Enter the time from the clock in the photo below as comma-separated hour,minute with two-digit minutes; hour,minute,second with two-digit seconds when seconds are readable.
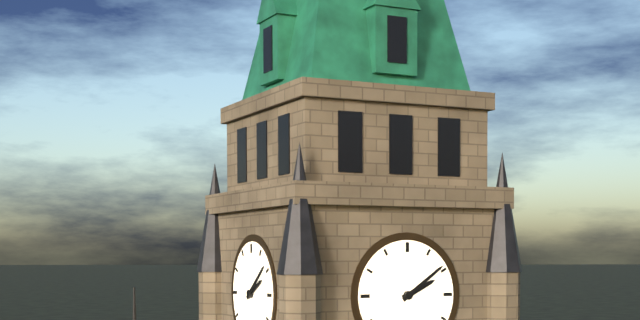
2,09
